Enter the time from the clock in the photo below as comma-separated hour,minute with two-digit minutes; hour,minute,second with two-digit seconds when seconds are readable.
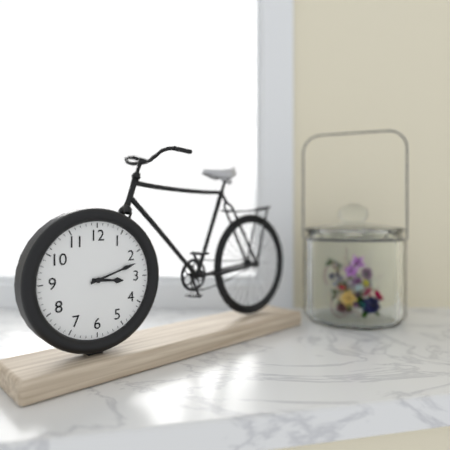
3,12
